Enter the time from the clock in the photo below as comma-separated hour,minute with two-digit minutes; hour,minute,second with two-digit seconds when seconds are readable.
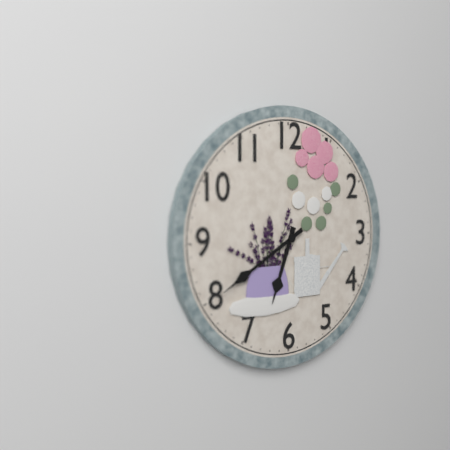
6,40
